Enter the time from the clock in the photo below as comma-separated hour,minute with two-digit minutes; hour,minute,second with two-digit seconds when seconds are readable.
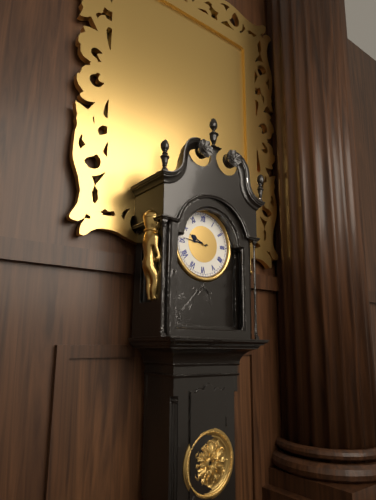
9,46
